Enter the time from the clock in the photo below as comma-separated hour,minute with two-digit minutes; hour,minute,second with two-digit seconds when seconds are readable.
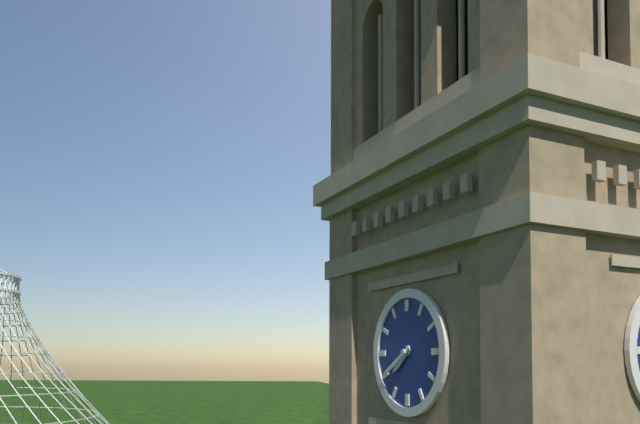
7,40
